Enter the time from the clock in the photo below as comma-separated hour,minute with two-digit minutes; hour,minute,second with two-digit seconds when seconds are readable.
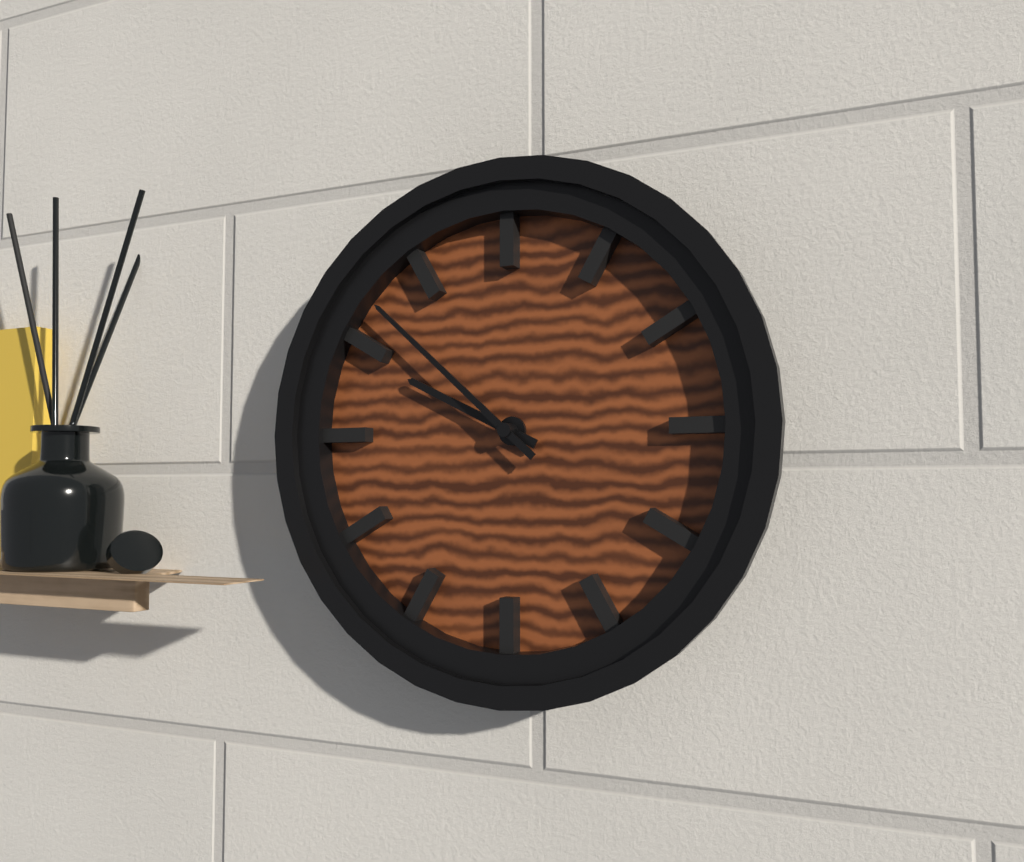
9,52
